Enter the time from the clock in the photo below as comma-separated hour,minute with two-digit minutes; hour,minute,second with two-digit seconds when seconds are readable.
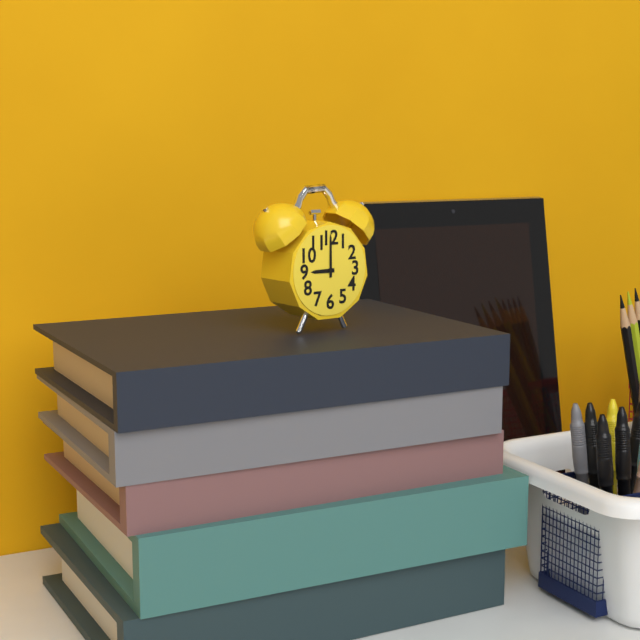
9,00
